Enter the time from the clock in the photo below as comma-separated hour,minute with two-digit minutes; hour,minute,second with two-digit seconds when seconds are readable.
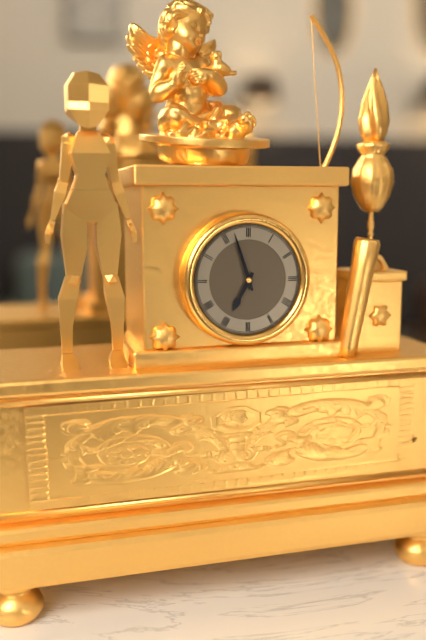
6,57
